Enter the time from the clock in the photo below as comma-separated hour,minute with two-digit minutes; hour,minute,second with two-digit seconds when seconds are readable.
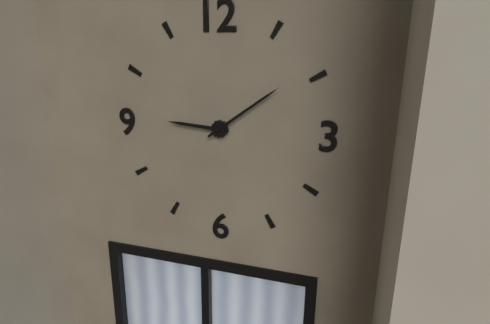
9,09
